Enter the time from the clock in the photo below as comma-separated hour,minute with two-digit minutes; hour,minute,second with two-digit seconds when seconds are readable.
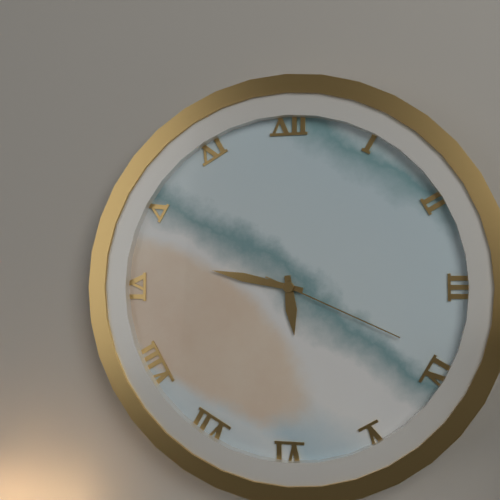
5,47,19
